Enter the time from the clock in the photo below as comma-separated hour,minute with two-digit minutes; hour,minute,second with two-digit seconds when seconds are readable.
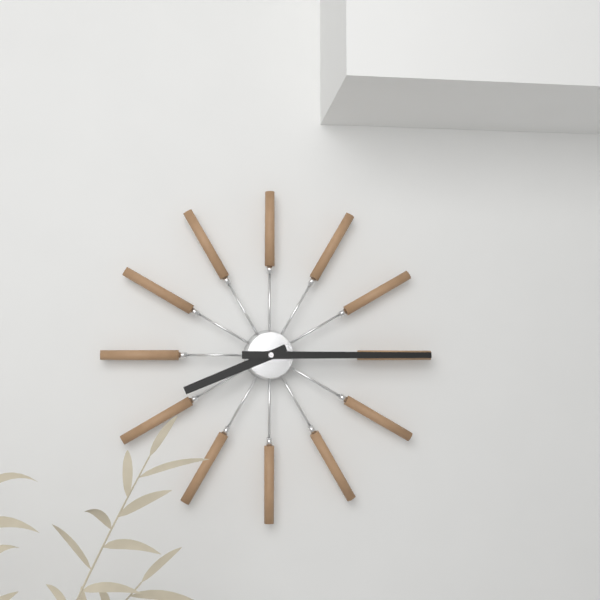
8,15
